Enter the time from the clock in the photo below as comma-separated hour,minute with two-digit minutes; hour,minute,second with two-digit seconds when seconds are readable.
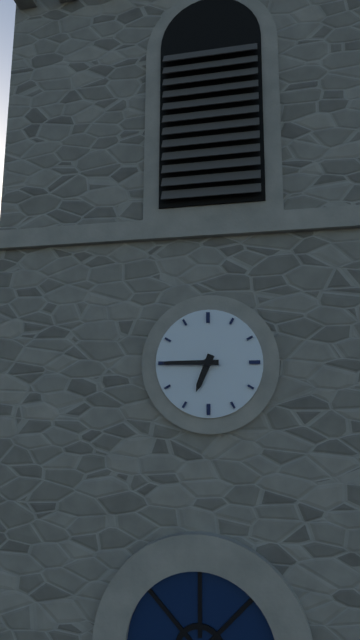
6,45
